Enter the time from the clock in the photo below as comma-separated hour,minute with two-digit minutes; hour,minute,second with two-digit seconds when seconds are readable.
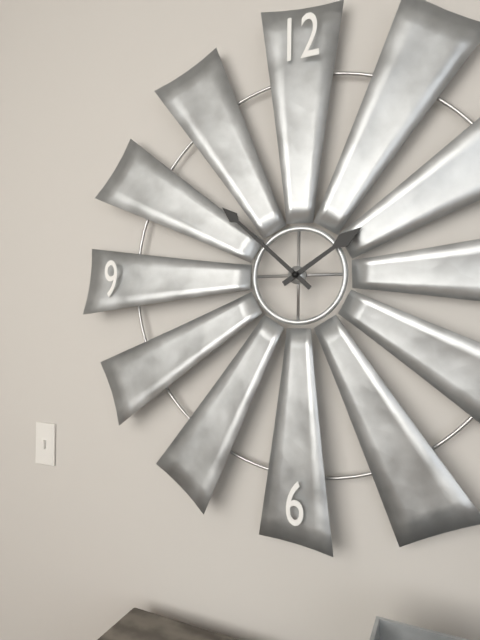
1,52
